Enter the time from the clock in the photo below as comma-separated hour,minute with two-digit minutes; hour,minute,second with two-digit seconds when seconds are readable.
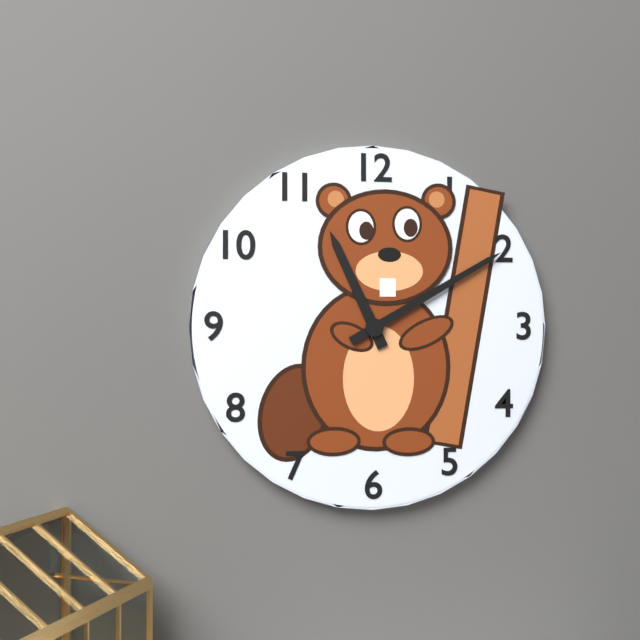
11,10
